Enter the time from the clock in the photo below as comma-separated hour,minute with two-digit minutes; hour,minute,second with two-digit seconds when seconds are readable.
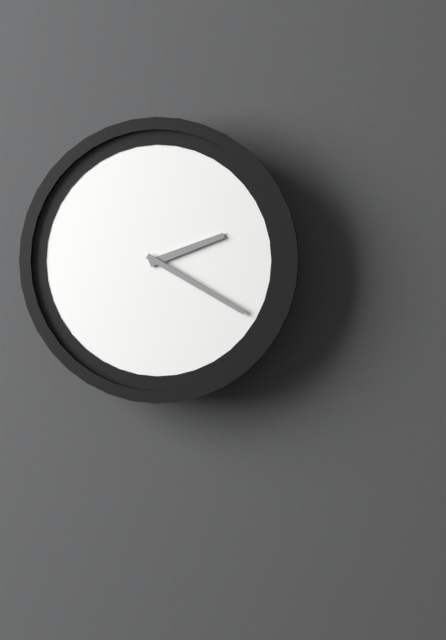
2,20
